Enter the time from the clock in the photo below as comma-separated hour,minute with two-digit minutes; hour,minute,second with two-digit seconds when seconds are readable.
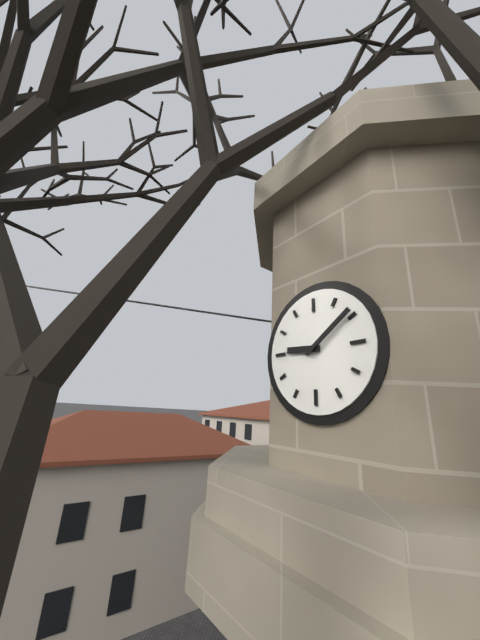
9,09
